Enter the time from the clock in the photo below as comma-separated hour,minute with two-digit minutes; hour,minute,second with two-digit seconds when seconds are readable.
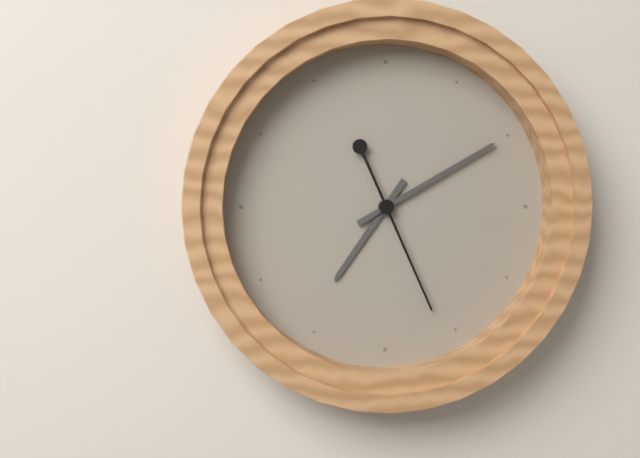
7,10,26
